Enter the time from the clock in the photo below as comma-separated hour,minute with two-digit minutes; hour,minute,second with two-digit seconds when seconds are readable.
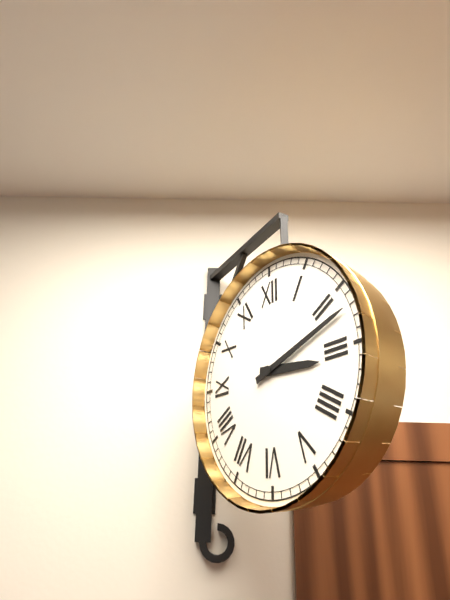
3,12
